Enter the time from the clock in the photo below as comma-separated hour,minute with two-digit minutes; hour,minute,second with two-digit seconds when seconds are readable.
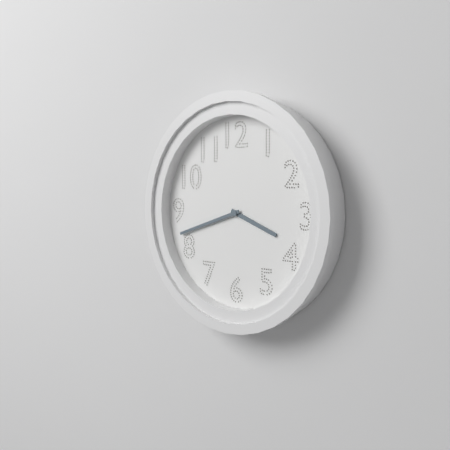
3,42
